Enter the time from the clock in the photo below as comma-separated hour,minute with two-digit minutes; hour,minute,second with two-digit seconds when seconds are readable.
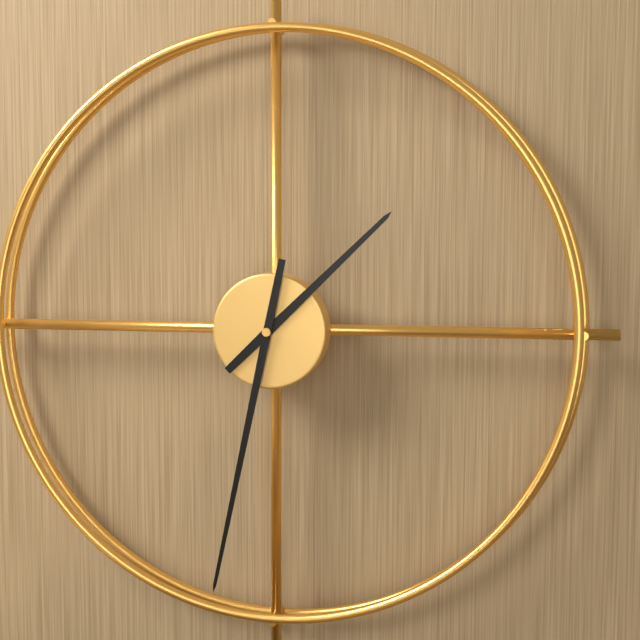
1,32
